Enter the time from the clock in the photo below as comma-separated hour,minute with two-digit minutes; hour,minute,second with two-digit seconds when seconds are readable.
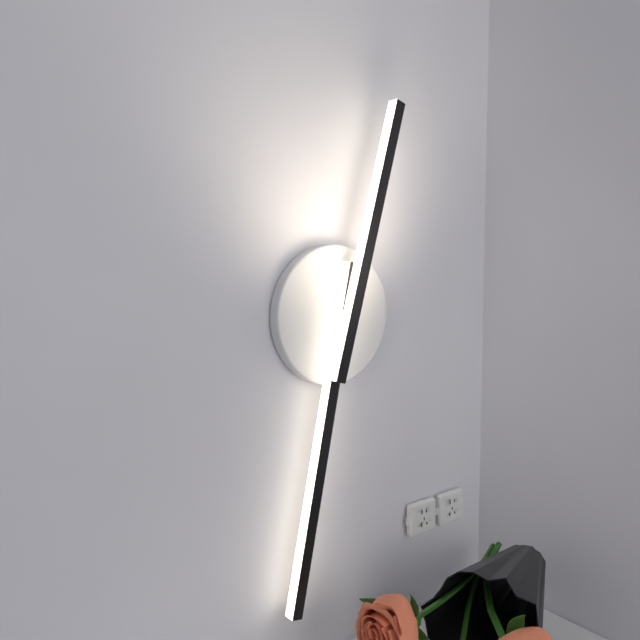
12,32
